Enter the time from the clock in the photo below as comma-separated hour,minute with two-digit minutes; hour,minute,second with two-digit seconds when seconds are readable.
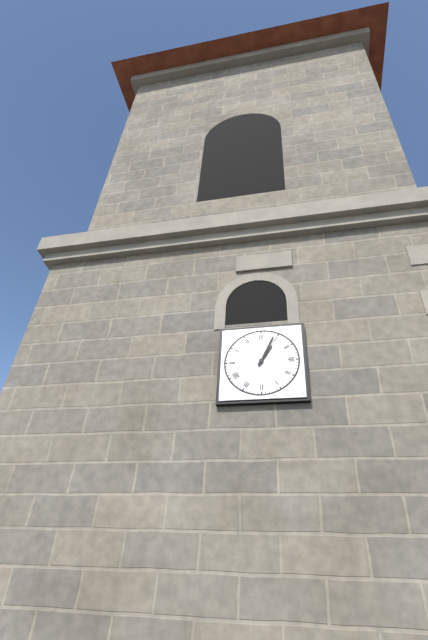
1,04
